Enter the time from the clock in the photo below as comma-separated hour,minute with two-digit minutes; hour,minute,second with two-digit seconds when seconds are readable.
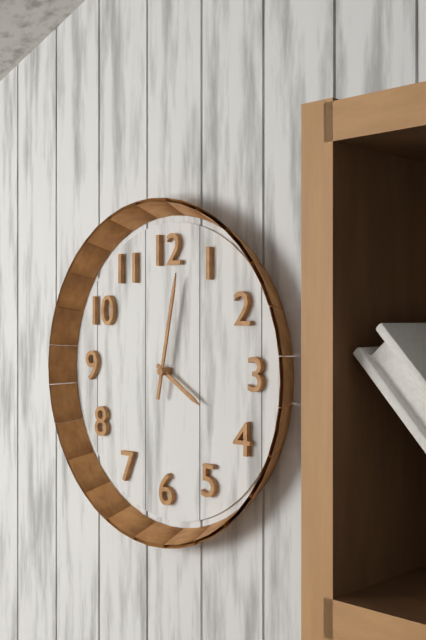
4,02
